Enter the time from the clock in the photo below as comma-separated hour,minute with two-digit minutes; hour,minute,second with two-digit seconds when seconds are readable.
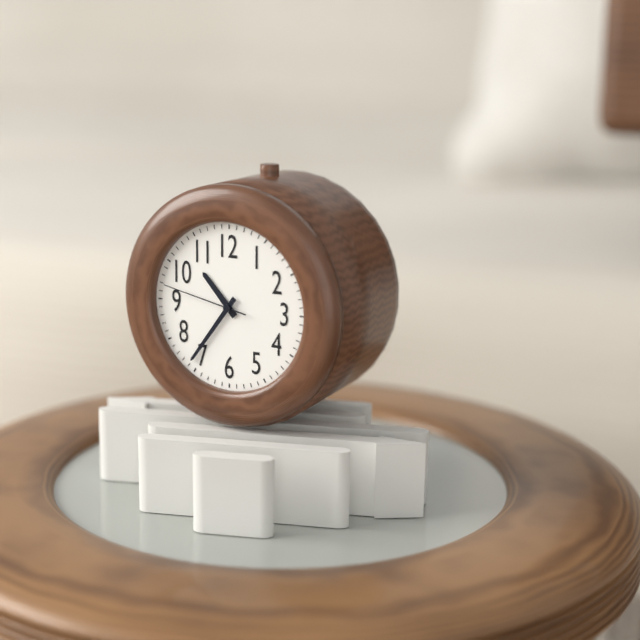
10,36,47
